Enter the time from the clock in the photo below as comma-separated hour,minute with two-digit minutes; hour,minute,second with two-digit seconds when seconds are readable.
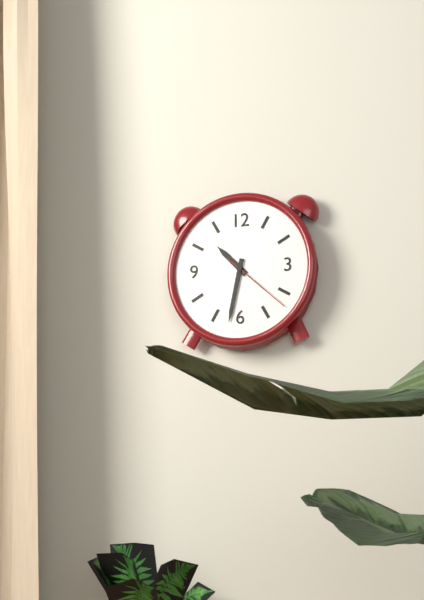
10,32,22
